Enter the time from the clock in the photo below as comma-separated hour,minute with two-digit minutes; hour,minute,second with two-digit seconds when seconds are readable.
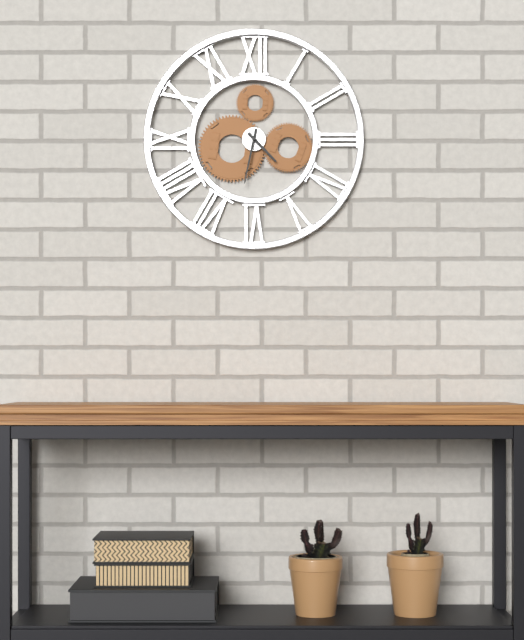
4,32
